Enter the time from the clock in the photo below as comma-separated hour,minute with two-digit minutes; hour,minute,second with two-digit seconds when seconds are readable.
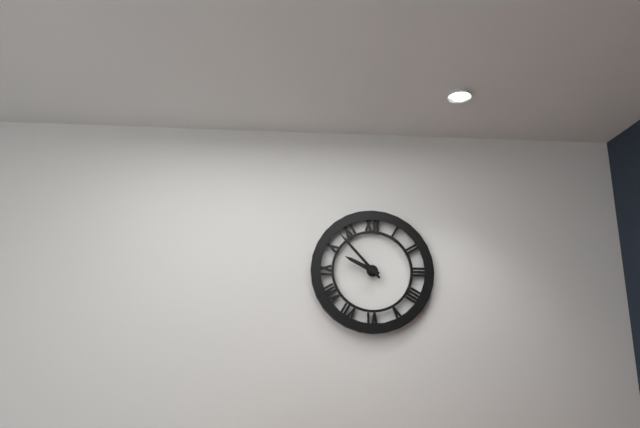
9,53
